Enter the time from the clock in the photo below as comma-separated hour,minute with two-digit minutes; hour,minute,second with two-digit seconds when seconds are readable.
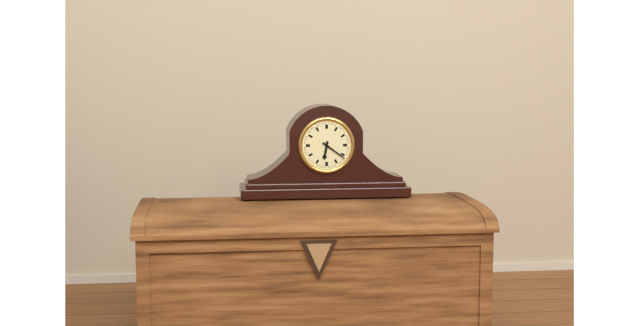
6,21
